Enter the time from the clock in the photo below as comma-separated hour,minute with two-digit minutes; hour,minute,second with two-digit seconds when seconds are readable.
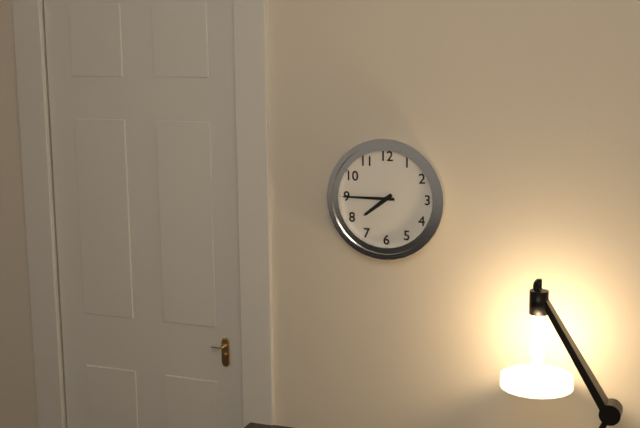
7,45
